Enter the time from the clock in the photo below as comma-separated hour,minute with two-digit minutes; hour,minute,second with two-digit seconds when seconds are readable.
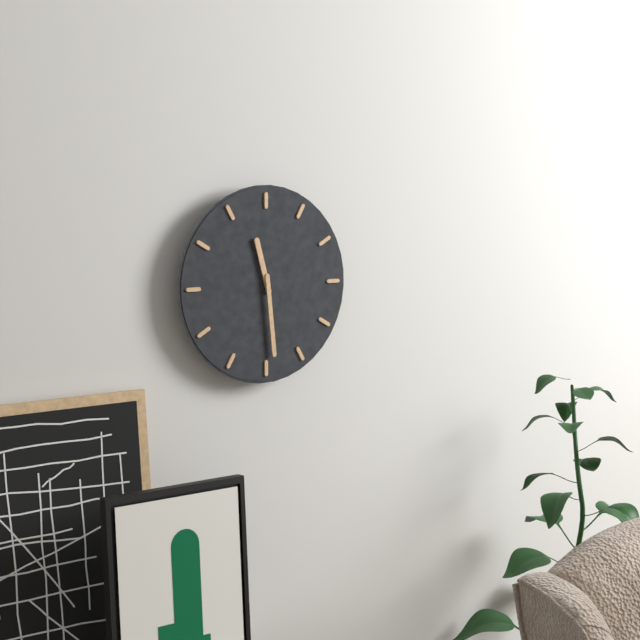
11,29
